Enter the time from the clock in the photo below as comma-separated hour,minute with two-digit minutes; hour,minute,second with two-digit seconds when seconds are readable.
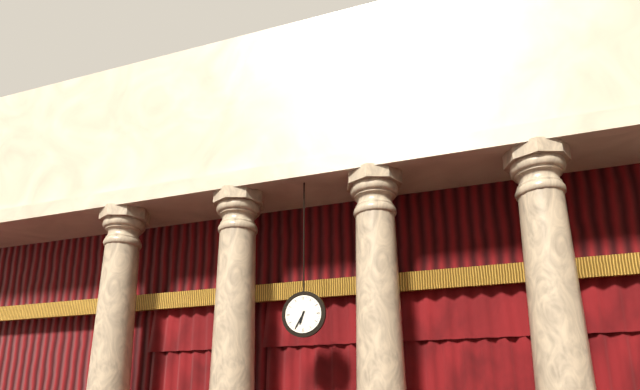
6,35
